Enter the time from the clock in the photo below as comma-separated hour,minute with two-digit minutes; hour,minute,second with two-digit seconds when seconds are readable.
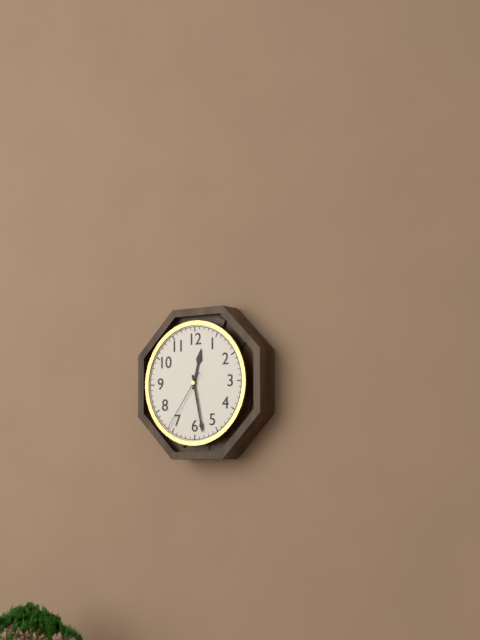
12,28,36
